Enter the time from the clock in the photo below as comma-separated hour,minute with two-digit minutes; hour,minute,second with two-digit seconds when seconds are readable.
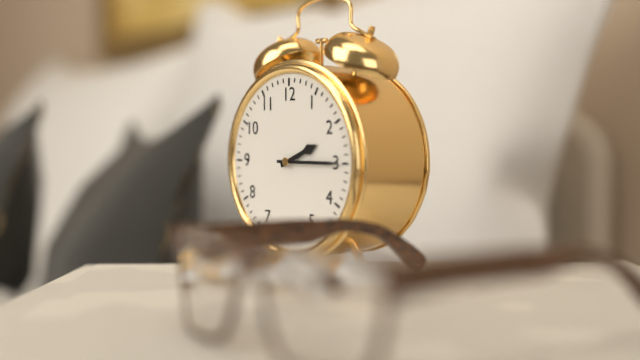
2,15
